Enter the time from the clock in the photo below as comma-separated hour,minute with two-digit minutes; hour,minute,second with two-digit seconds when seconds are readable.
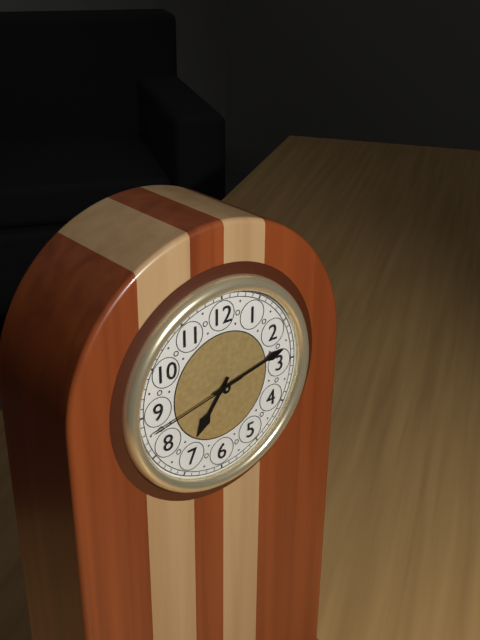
7,13,43
